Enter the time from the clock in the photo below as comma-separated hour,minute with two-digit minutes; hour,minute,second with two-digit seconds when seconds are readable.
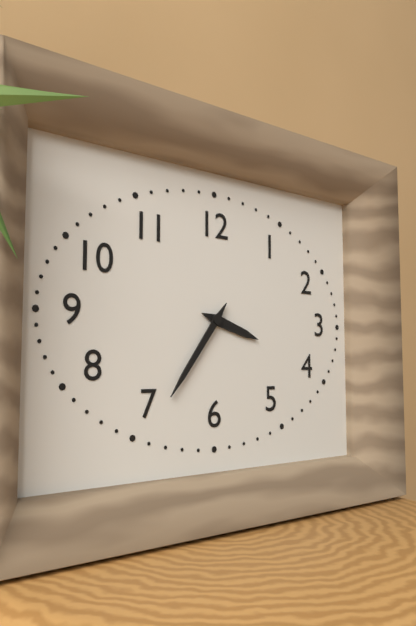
3,36
